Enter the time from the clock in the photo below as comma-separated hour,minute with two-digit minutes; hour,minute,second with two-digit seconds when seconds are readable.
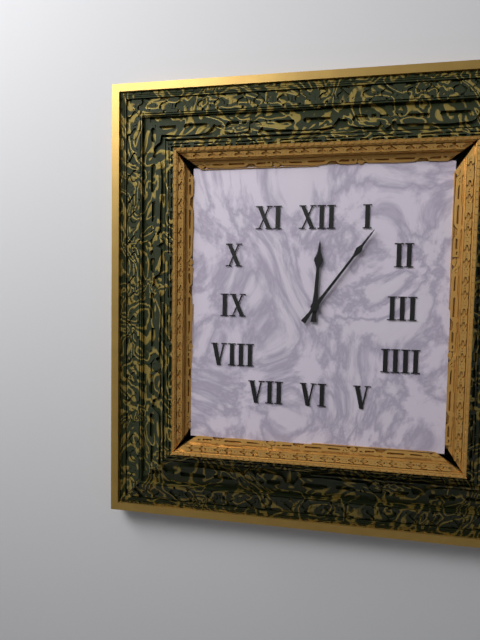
12,06
